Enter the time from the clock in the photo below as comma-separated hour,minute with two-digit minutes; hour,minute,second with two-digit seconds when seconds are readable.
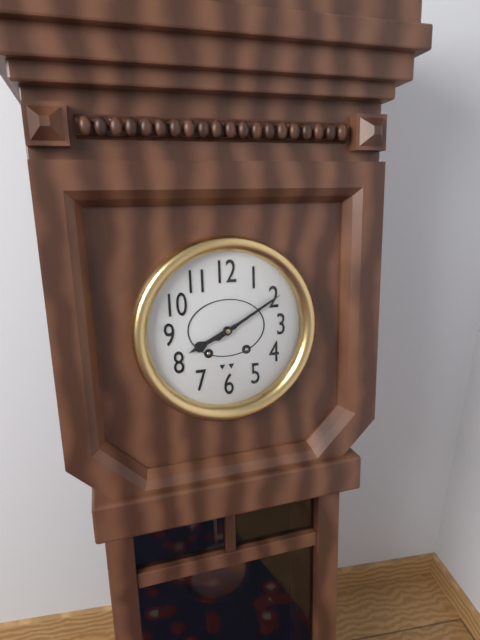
8,10
